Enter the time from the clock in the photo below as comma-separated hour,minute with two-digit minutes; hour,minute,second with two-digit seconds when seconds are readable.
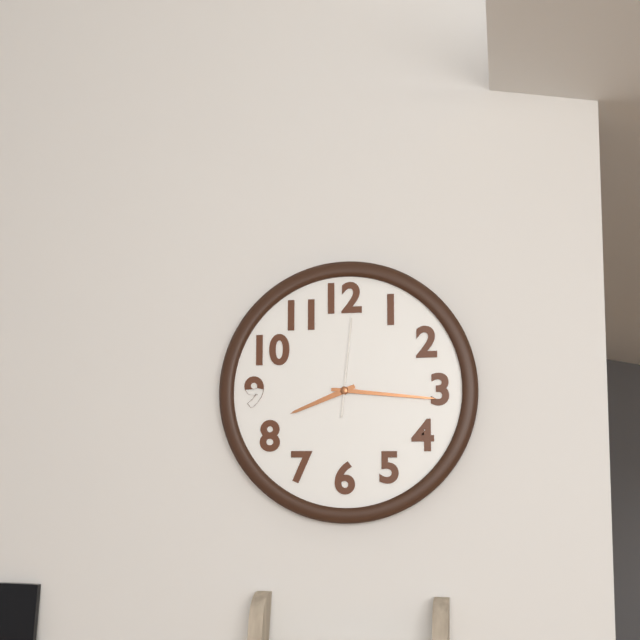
8,16,01
